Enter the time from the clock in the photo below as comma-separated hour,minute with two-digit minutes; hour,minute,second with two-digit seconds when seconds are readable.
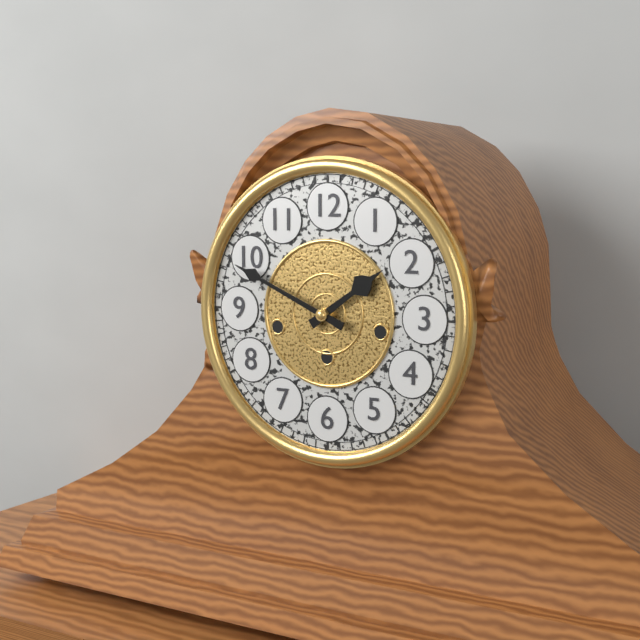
1,49
